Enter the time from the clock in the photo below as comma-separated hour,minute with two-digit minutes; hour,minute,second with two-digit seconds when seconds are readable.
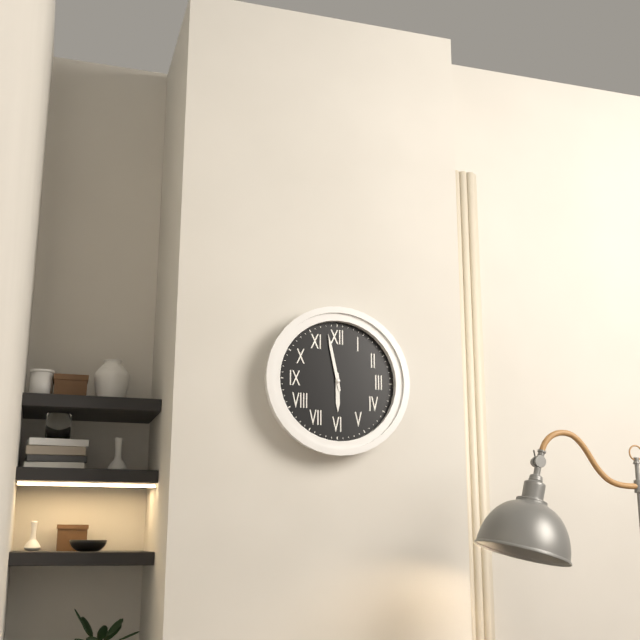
5,58
